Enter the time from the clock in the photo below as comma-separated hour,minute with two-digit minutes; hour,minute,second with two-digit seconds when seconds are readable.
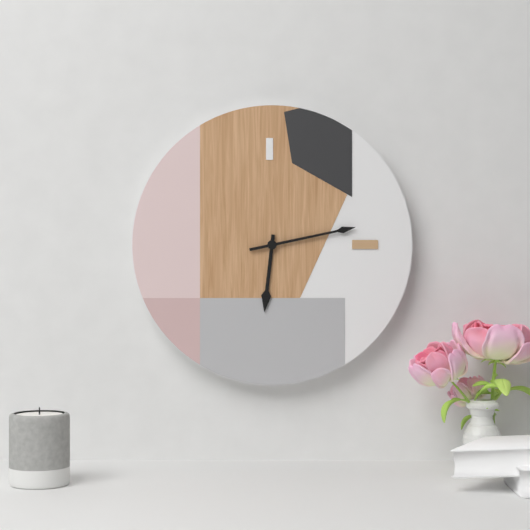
6,13
